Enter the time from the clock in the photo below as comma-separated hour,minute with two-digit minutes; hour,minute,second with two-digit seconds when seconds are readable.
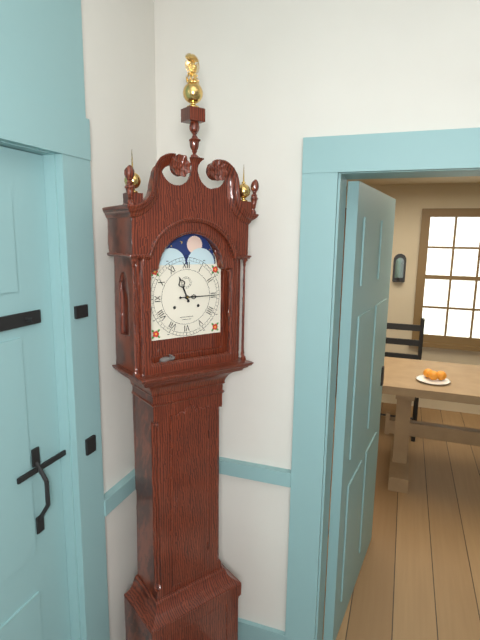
11,15
